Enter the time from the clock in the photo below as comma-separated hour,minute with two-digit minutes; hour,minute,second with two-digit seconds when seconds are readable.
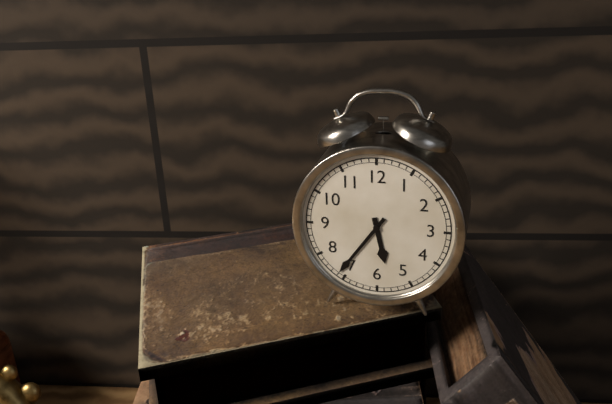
5,36
